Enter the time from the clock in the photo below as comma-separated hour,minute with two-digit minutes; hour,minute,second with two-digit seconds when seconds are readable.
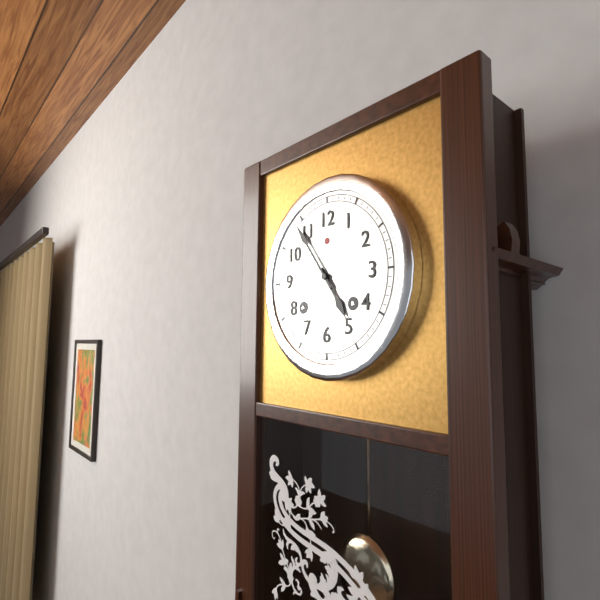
4,54
